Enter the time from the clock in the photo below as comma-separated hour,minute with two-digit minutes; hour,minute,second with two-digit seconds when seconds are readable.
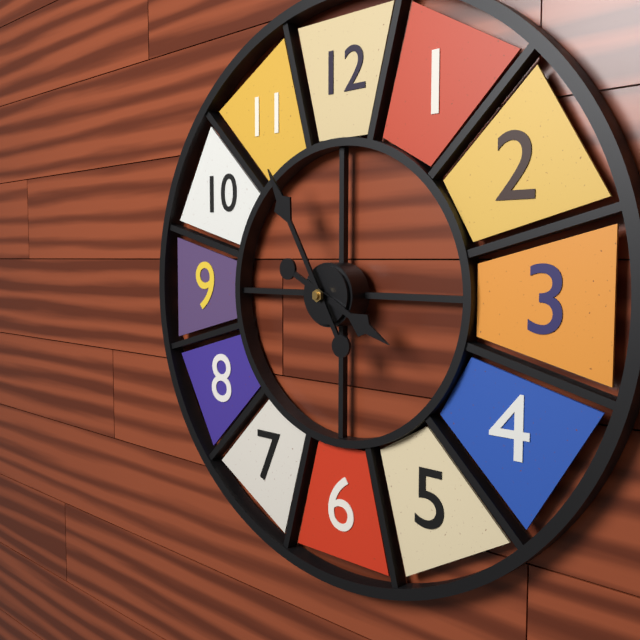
3,55
